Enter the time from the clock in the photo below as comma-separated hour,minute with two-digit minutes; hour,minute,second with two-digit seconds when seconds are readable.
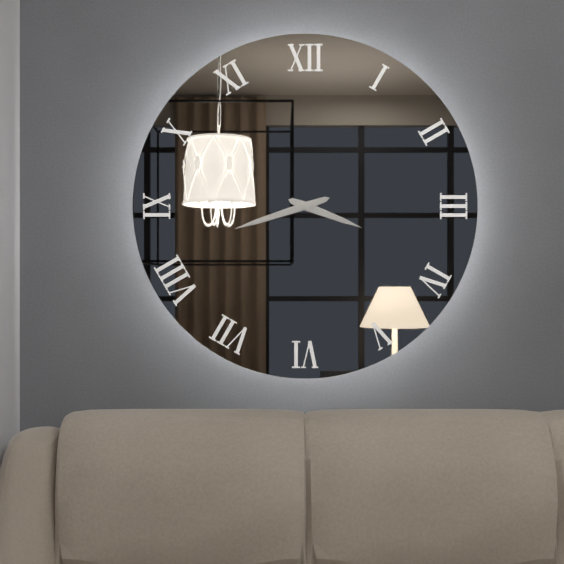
3,42
